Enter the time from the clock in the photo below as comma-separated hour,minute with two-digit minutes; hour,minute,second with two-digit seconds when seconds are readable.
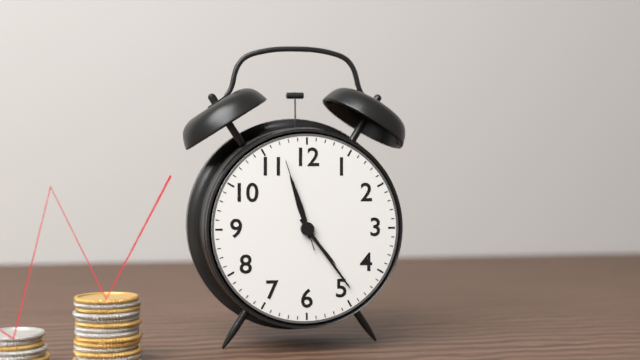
11,24,57
